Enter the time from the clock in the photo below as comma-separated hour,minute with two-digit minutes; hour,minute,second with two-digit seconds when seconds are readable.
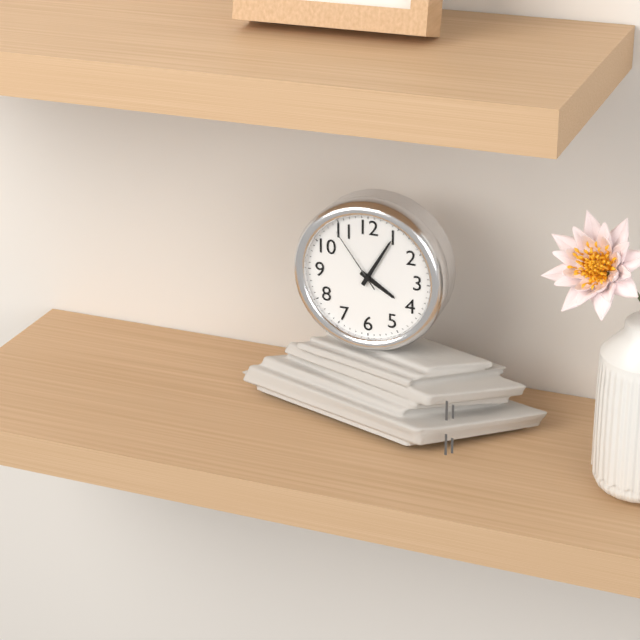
4,05,54
